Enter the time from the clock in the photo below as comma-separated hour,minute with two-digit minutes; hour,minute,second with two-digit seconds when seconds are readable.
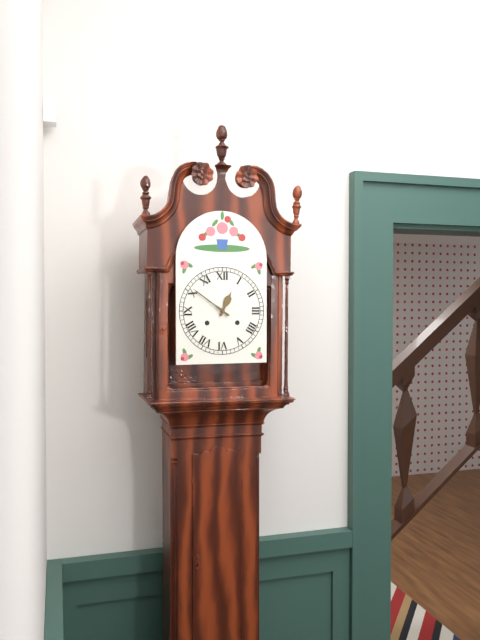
12,51
